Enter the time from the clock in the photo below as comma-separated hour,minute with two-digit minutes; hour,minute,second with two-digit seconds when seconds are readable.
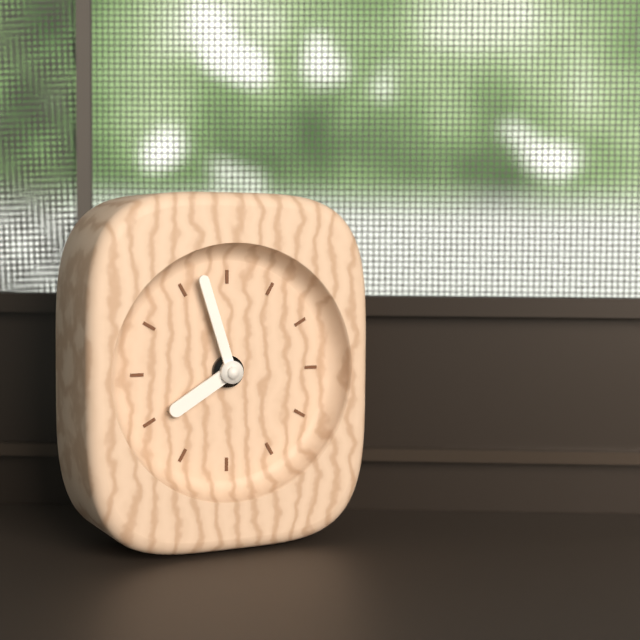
7,57
